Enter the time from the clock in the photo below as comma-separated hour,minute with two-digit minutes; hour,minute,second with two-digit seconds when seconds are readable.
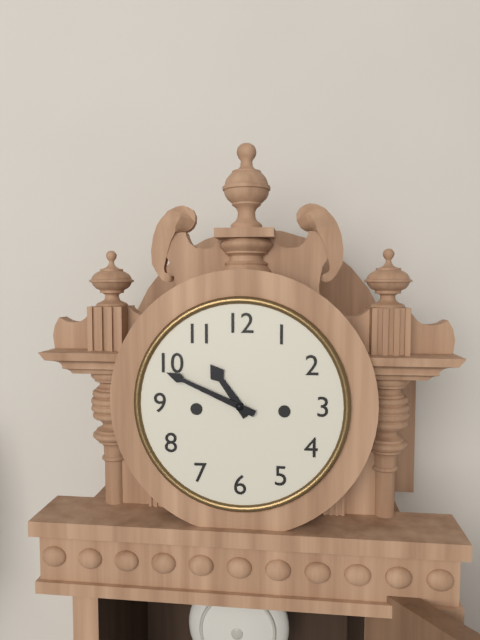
10,49
